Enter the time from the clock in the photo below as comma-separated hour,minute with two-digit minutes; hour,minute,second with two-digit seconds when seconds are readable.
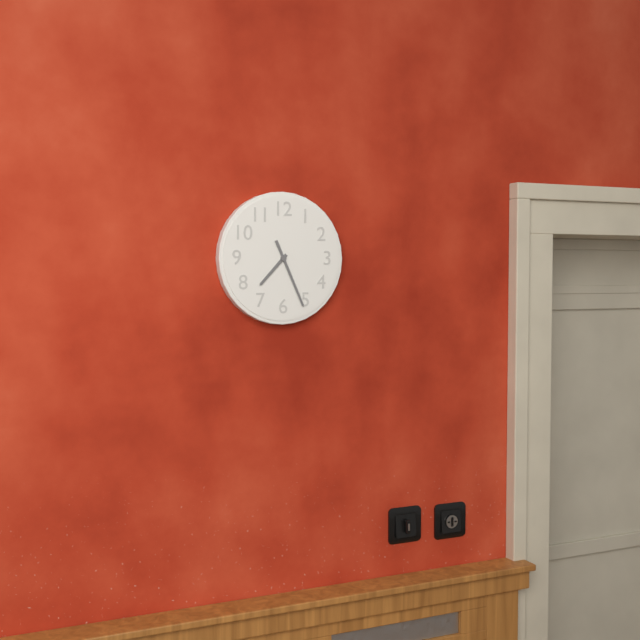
7,26
